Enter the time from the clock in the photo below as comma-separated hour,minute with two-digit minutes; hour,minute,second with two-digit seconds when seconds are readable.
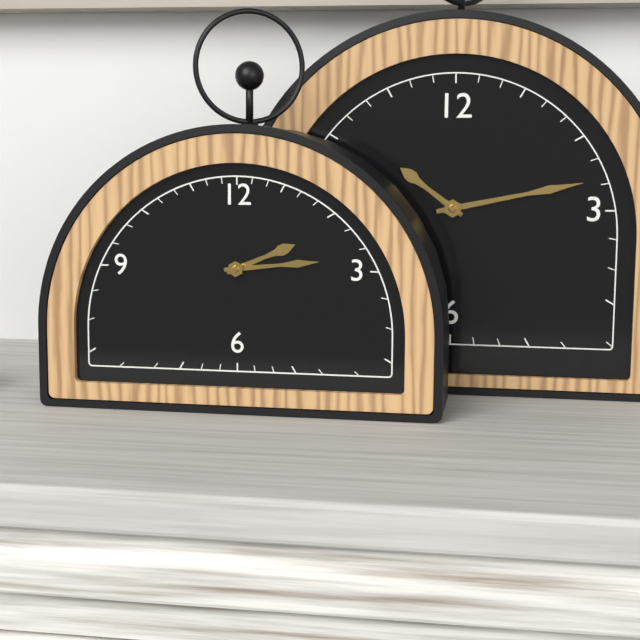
2,14
